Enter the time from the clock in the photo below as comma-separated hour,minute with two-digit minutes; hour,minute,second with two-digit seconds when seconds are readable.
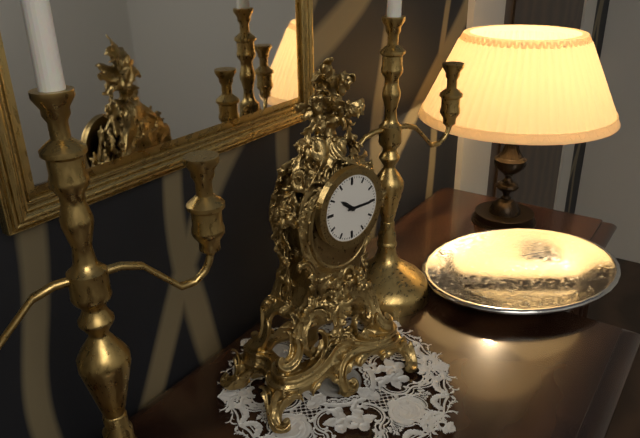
10,15
